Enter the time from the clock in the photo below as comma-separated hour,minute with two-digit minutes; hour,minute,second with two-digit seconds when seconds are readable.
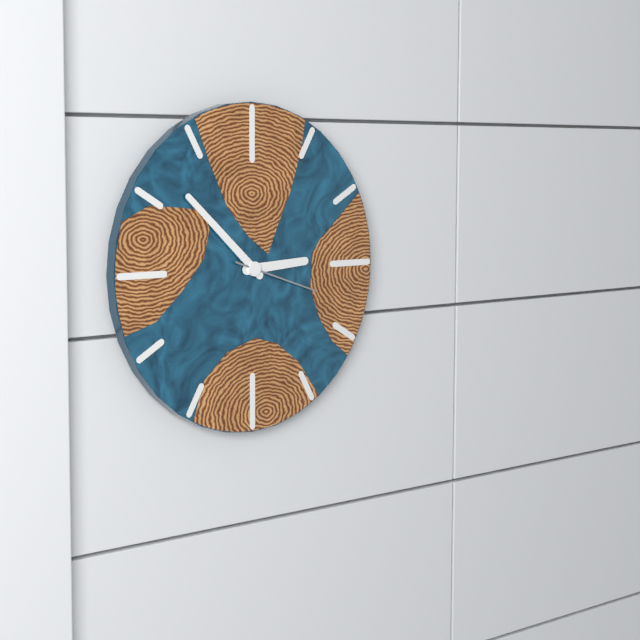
2,52,18
